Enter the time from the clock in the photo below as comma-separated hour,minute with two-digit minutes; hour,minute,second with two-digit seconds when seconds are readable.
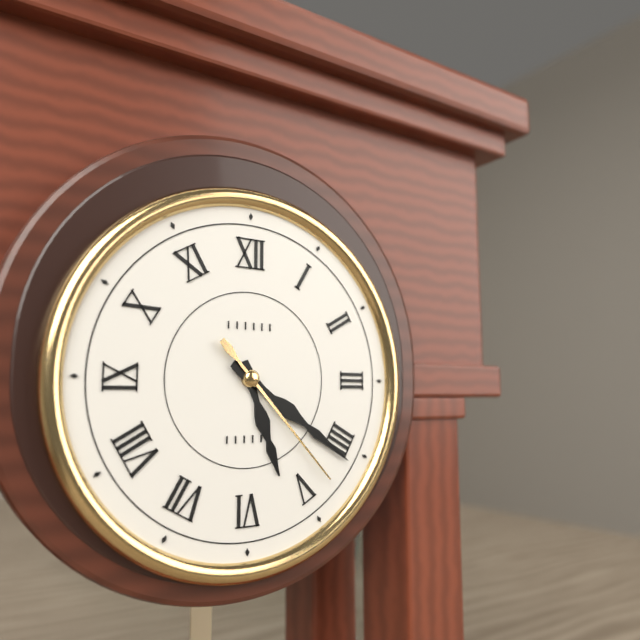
5,21,23
